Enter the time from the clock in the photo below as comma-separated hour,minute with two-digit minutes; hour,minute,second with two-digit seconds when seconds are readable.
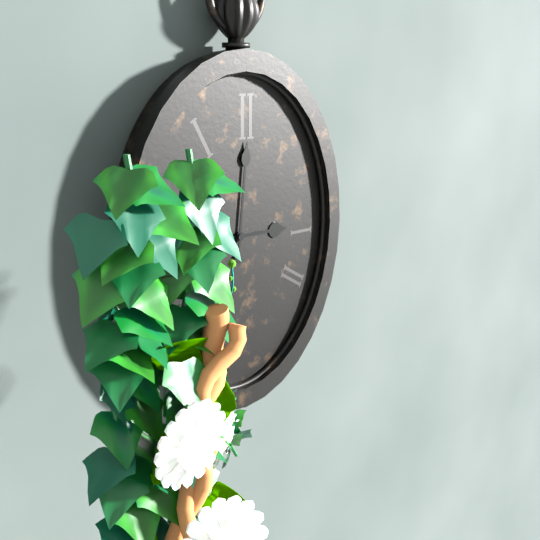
3,01
